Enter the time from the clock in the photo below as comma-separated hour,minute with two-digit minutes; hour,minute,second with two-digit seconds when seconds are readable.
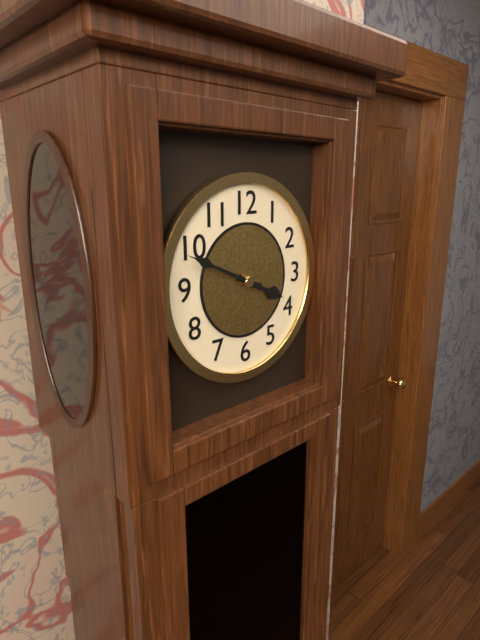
3,49
